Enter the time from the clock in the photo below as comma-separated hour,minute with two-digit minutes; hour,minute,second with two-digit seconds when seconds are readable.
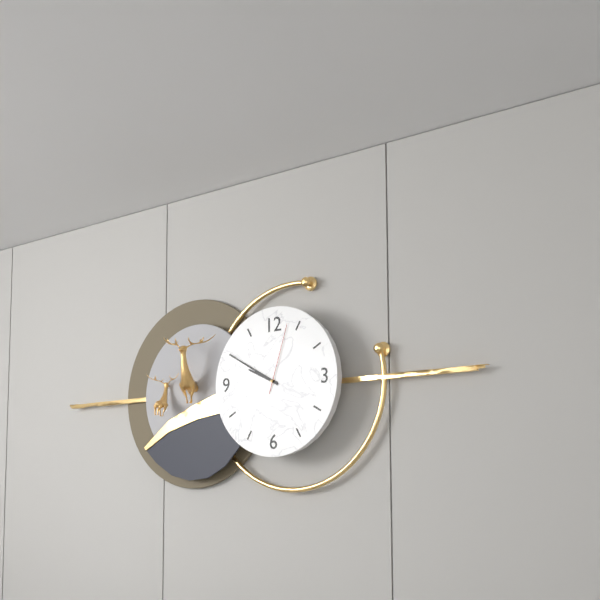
9,50,03
